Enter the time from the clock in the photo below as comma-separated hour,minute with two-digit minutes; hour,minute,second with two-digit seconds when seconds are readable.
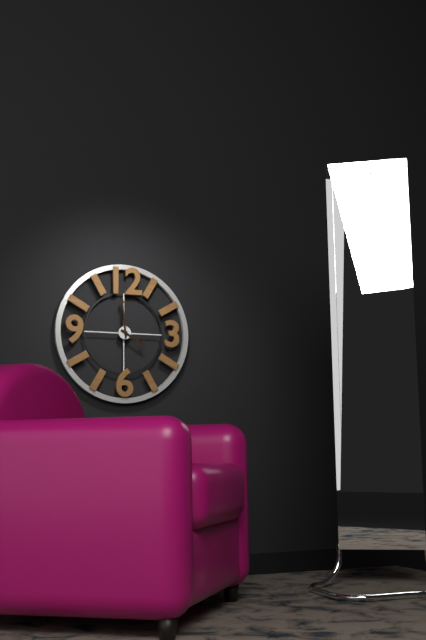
3,59
